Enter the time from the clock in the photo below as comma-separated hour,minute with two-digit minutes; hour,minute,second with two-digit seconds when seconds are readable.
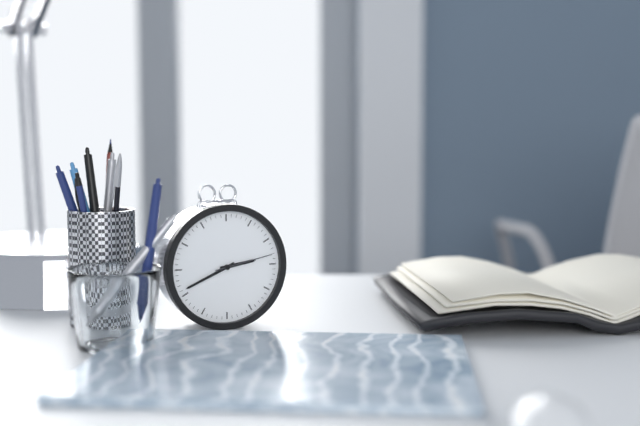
2,41,13
